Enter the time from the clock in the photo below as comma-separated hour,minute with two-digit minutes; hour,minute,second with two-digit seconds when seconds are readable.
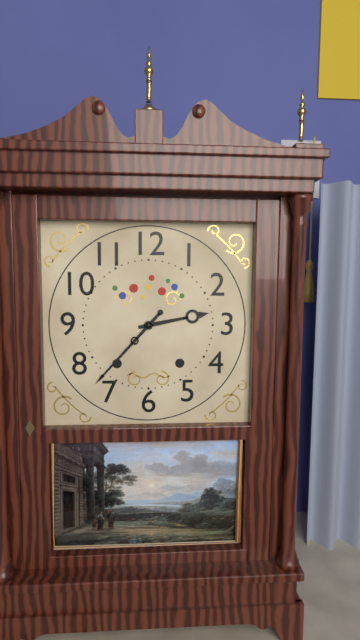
2,37
